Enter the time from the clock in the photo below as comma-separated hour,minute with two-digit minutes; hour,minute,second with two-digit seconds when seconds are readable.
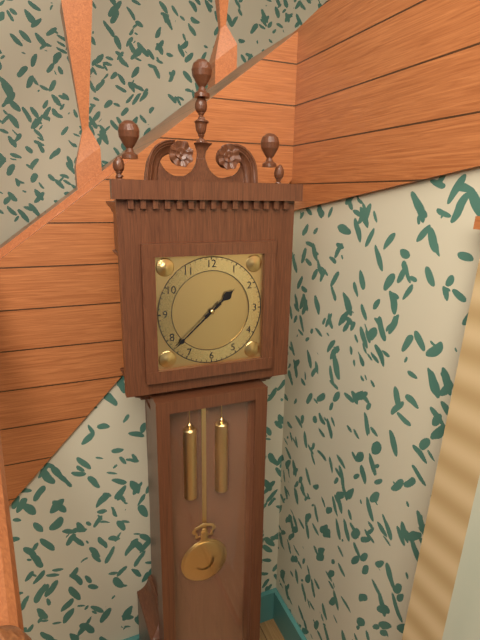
1,38
